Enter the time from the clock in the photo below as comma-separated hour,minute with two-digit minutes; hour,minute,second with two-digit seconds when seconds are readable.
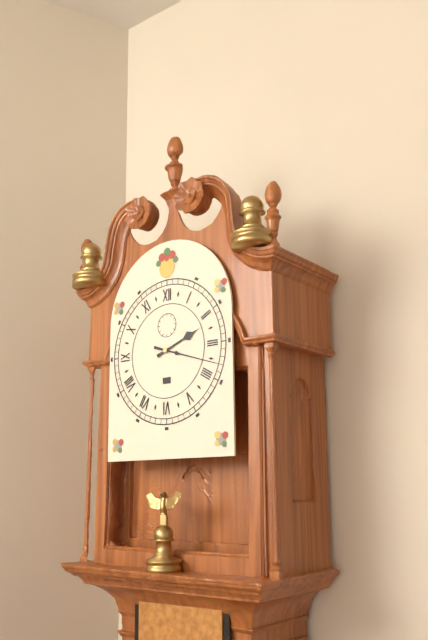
2,18
